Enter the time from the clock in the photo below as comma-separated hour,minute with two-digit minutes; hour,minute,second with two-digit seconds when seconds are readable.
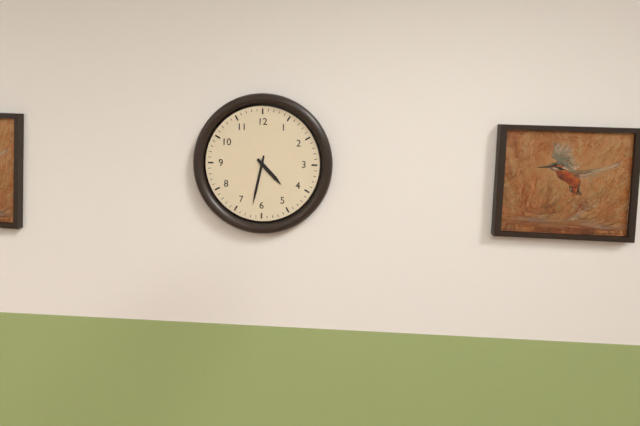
4,32
